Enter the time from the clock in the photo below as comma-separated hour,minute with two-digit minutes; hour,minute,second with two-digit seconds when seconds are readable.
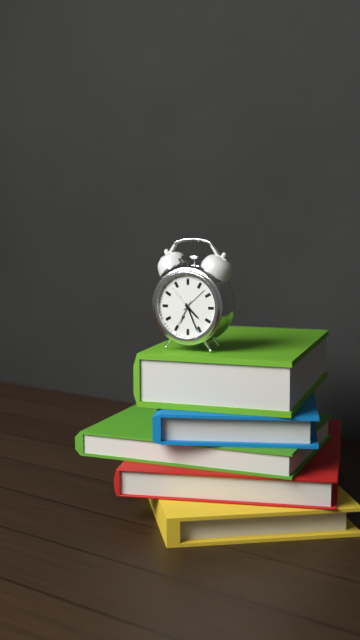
4,26
